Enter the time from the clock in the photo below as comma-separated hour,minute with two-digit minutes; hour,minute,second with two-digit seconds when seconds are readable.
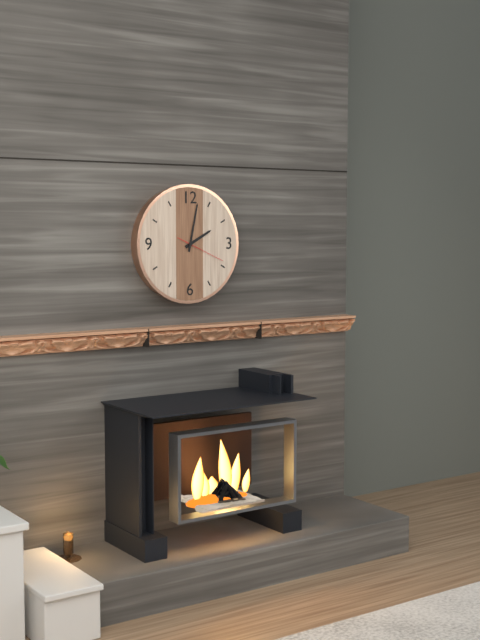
2,02
